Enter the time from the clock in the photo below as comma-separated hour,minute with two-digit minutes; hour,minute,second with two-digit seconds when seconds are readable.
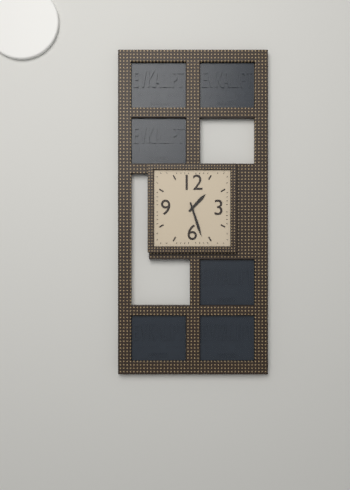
1,27
